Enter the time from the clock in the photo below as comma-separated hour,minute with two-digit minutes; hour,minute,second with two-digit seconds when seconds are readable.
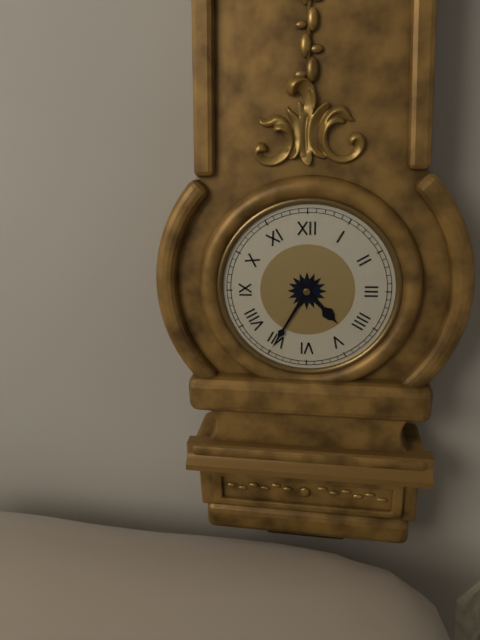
4,35
